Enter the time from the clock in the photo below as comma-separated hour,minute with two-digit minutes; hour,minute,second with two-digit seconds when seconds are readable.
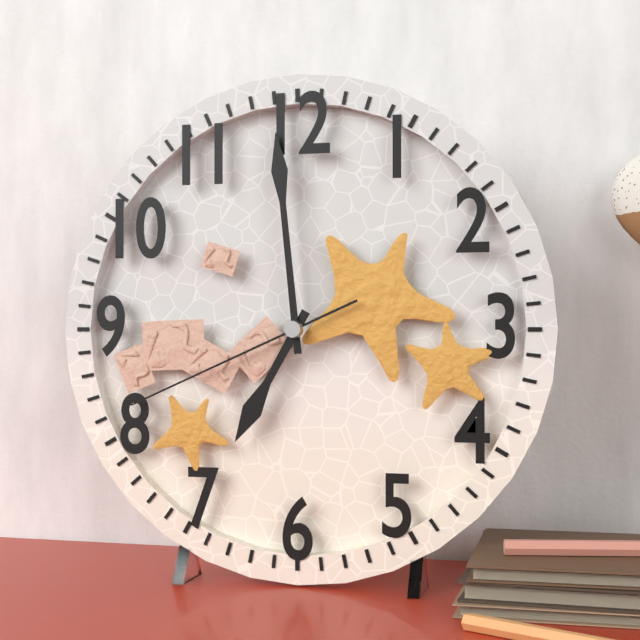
6,59,41
